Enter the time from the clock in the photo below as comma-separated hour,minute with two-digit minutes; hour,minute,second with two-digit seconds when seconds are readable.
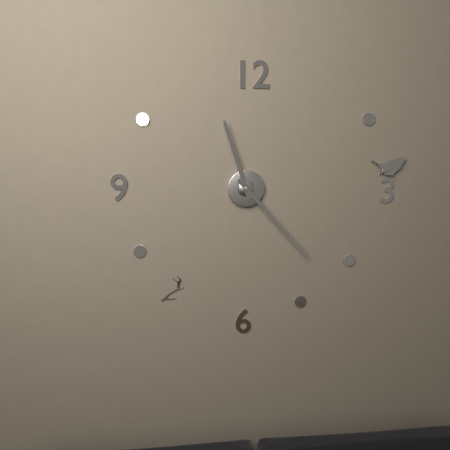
11,23
